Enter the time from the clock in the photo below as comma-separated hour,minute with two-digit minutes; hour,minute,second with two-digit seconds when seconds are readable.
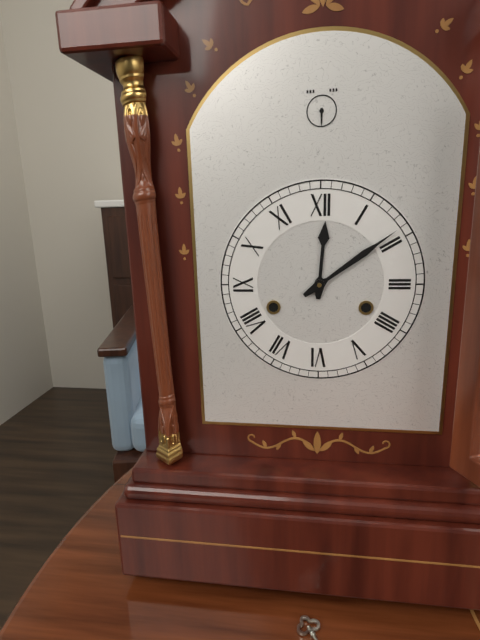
12,09
